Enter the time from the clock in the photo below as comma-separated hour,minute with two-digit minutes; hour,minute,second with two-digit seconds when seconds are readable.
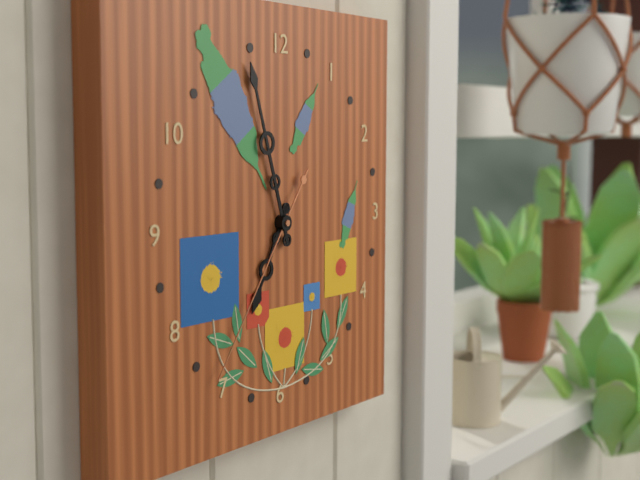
6,57,36
